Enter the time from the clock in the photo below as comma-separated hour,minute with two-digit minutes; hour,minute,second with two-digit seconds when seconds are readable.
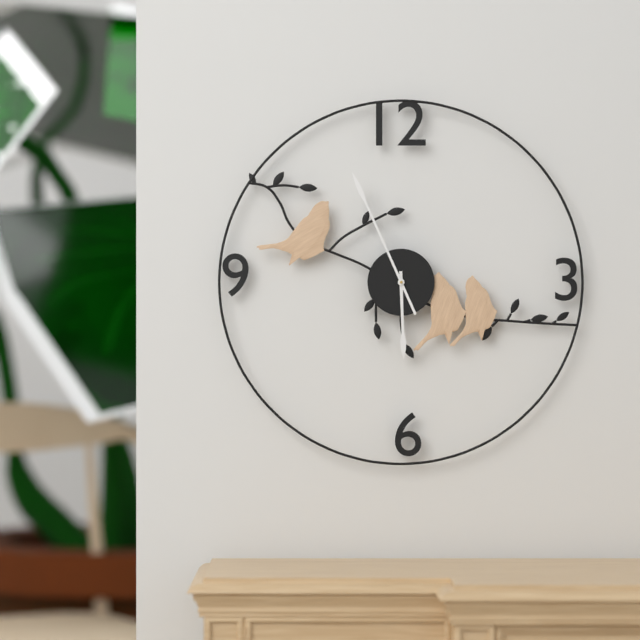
5,56
